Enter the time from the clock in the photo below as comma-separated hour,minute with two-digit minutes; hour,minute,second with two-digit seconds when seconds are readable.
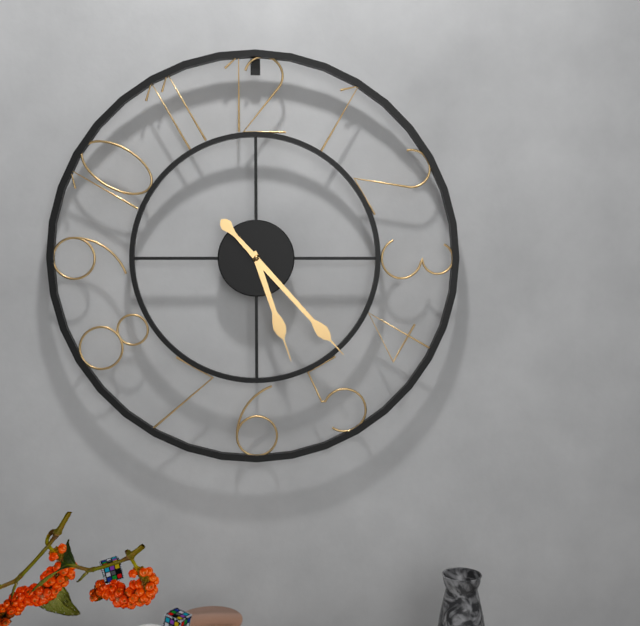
5,23
